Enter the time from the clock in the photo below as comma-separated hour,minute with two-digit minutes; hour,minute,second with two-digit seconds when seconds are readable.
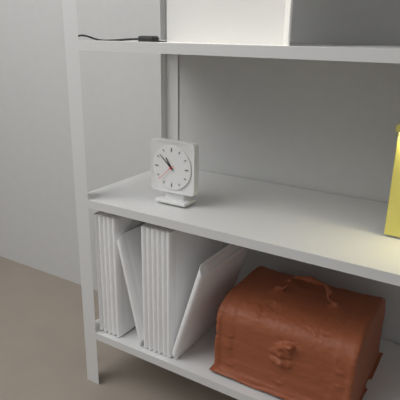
10,52
